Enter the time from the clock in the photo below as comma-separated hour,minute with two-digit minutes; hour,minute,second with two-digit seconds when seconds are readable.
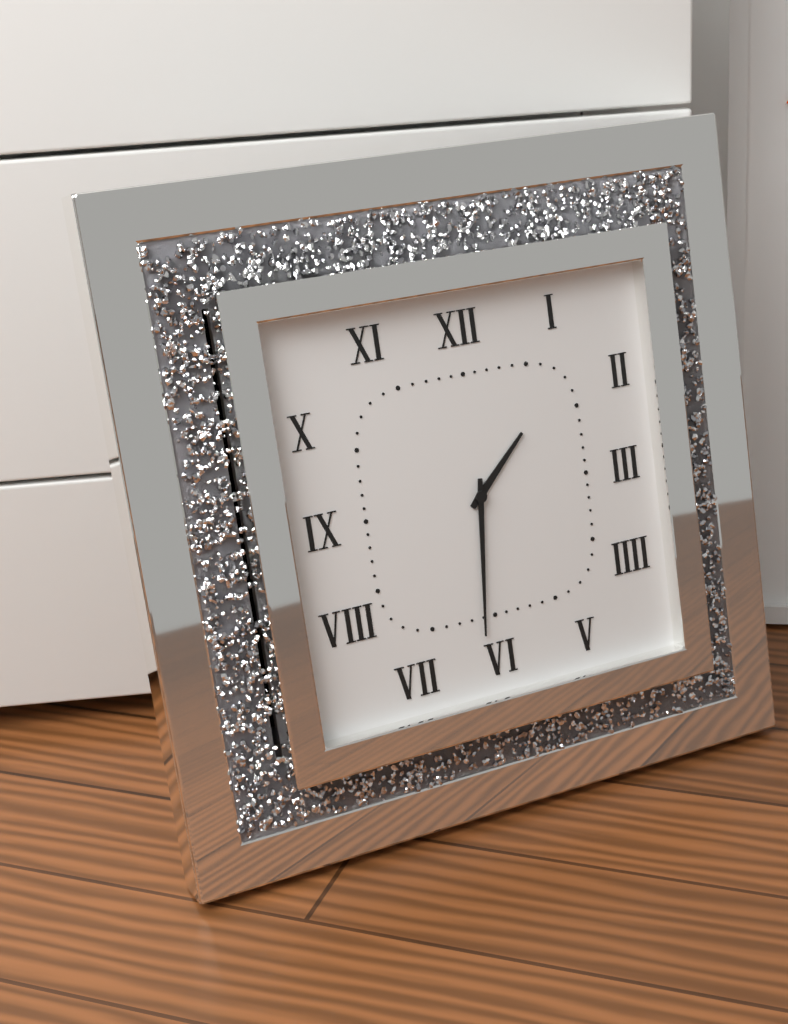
1,31
